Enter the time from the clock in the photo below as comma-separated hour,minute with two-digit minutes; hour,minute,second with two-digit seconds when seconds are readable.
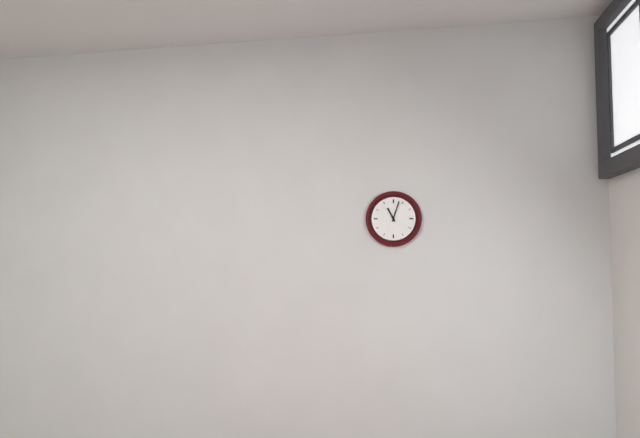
11,03
